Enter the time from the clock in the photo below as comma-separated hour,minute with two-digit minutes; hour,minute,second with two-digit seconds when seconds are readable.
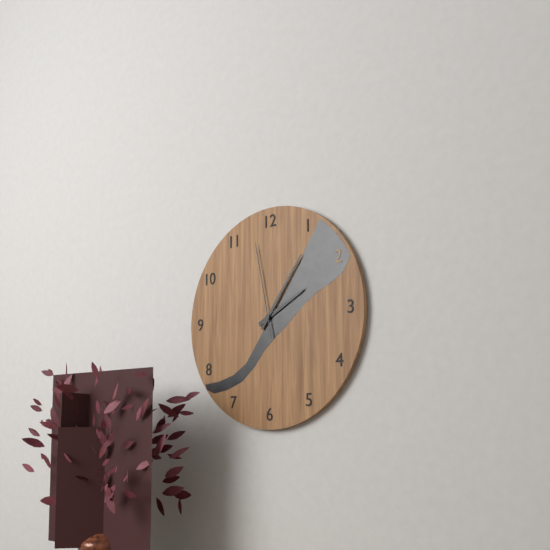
2,06,58
